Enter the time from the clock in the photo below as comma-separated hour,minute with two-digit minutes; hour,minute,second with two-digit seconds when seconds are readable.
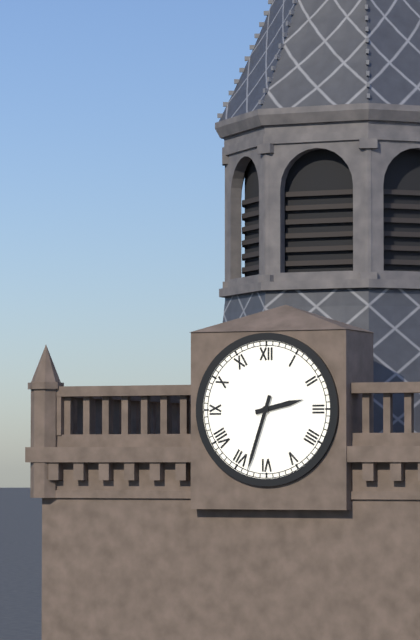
2,33
